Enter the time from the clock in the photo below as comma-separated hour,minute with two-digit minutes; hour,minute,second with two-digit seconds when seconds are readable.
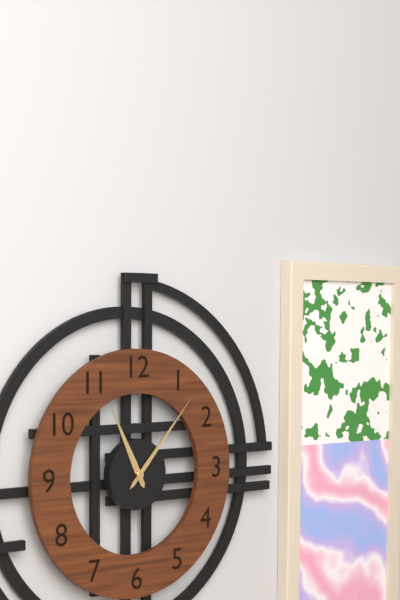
11,07
